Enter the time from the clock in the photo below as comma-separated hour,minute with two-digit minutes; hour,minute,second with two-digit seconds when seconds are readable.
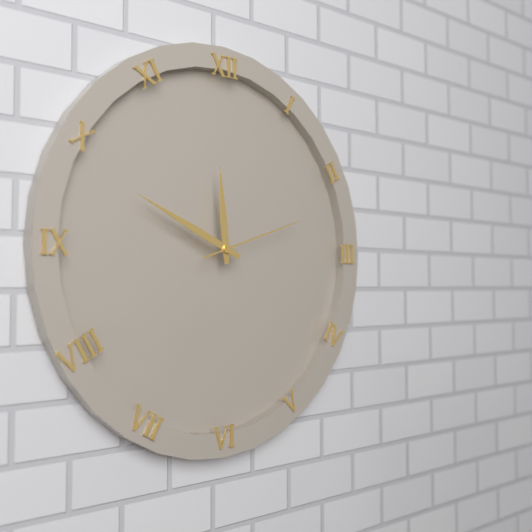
11,49,12
